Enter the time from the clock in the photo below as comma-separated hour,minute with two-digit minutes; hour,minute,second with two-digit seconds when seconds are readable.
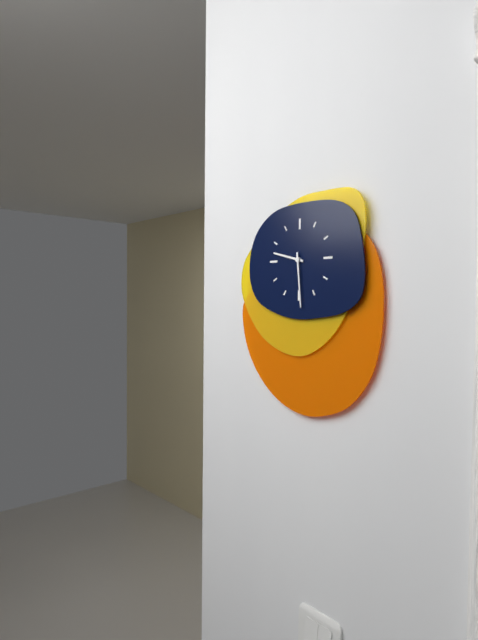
9,29
